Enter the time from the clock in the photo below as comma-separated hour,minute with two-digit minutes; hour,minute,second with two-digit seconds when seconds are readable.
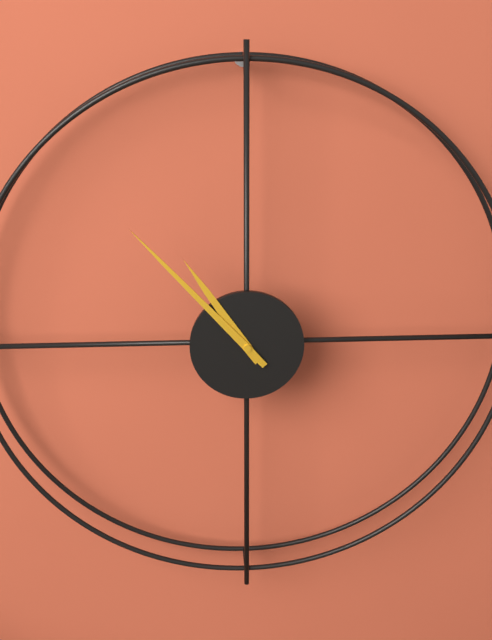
10,53
